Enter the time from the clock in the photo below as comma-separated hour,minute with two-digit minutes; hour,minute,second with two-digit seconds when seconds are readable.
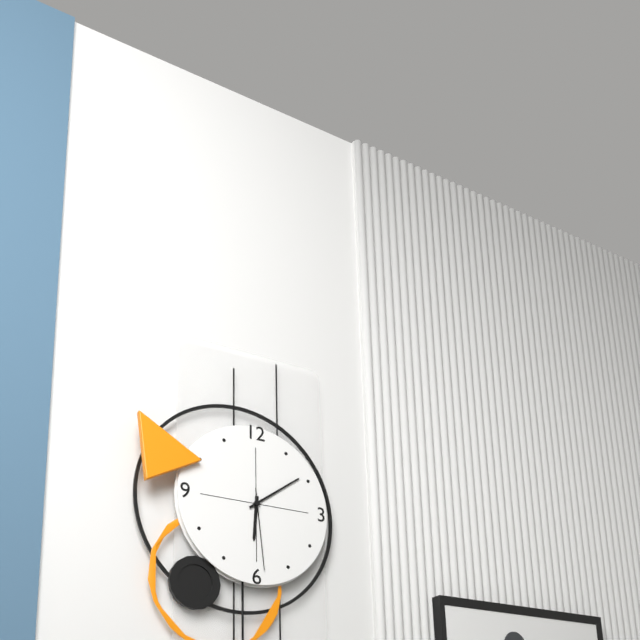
6,09,29
